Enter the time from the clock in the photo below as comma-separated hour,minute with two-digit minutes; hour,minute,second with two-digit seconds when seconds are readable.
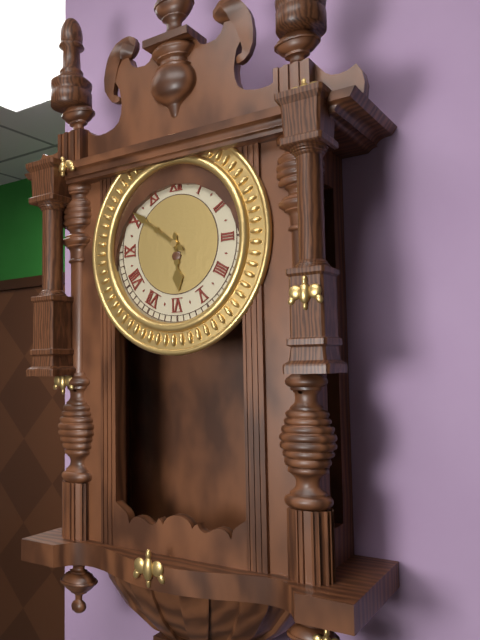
5,51
